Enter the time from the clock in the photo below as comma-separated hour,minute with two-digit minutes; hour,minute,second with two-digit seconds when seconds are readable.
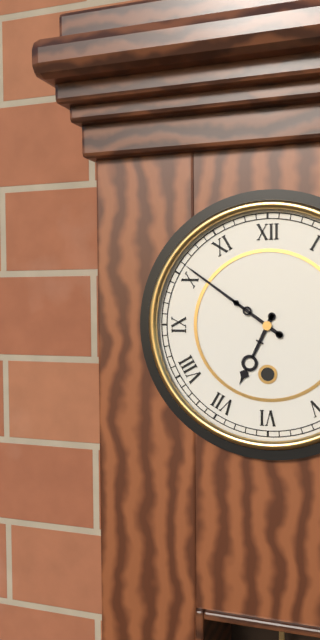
6,51
